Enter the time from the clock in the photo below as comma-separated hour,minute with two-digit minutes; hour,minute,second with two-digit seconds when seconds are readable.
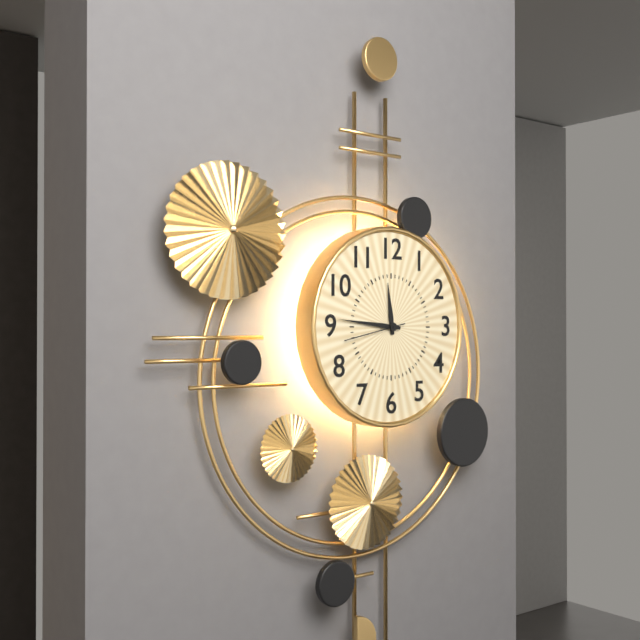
11,46,43
